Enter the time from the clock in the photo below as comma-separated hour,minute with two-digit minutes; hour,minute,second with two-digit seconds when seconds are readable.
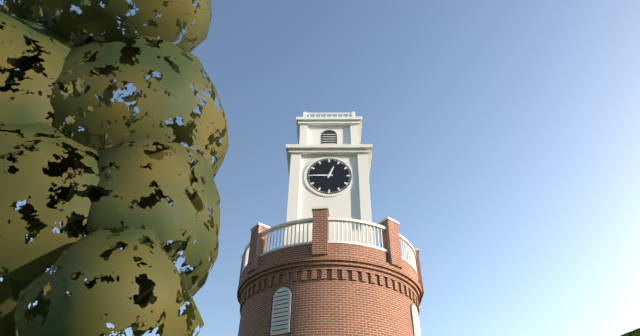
12,45
